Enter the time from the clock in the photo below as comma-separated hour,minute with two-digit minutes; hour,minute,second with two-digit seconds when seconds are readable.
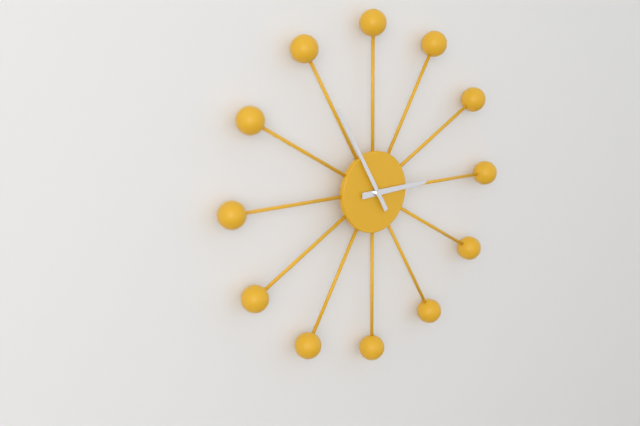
2,55
